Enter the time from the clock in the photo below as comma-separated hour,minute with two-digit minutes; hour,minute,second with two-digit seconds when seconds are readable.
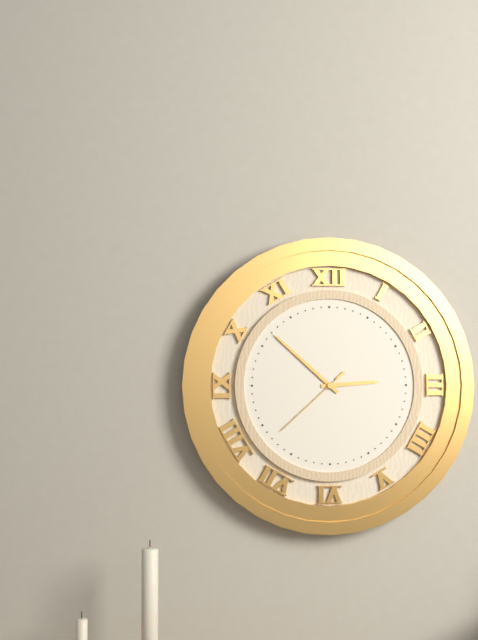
2,52,38
